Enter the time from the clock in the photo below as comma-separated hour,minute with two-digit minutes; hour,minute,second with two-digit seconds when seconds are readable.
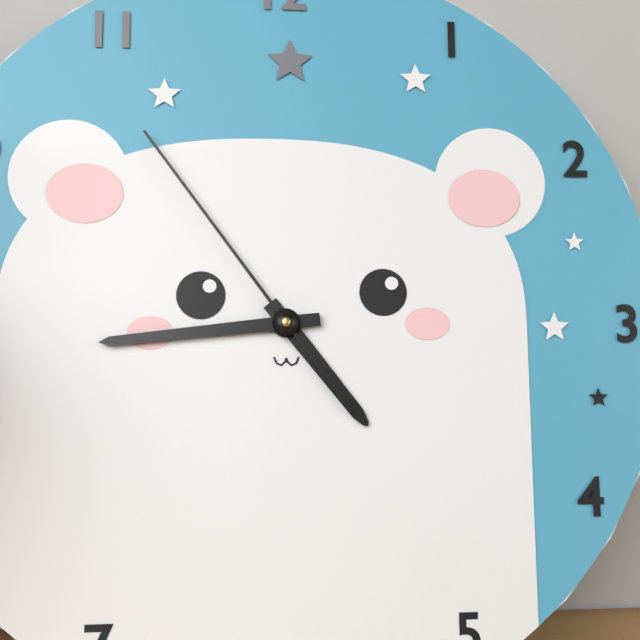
4,44,54
